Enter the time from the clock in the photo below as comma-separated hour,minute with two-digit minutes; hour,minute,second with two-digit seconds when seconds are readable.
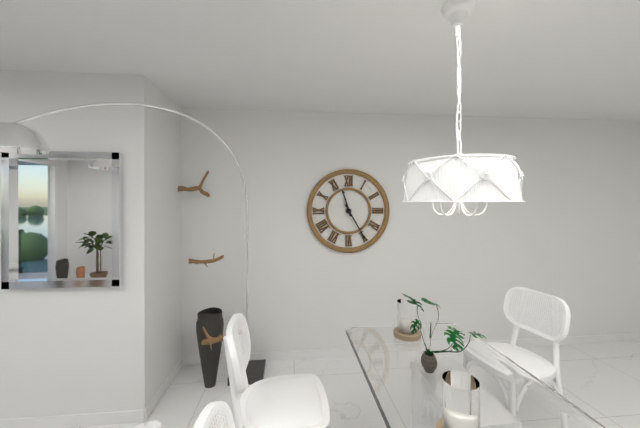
11,25
